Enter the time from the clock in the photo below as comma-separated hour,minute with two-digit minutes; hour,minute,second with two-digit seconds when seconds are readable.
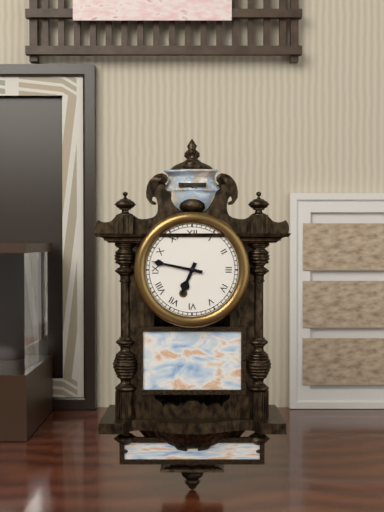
6,47
